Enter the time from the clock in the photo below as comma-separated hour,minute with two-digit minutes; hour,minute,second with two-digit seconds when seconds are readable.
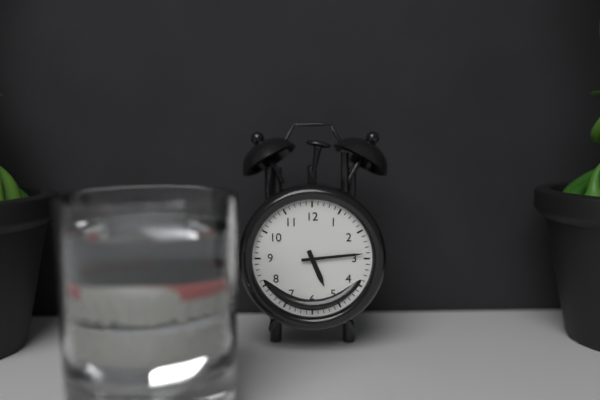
5,14
